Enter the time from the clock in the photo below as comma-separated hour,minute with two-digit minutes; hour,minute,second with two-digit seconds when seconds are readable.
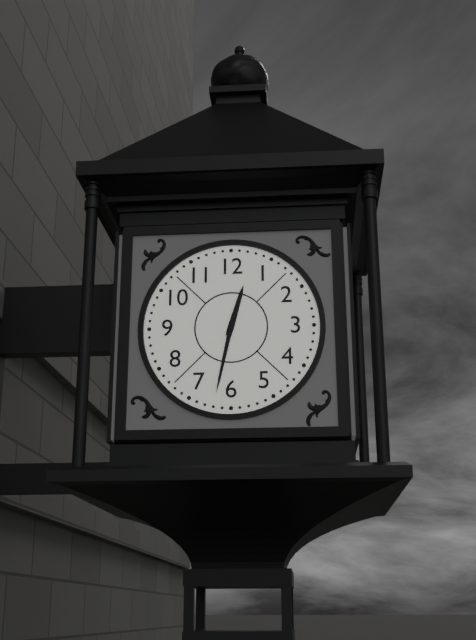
12,32
